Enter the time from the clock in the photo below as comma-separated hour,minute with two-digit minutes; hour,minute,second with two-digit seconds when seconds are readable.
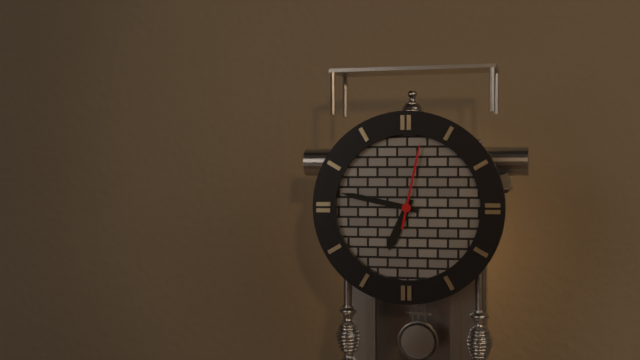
6,47,02
